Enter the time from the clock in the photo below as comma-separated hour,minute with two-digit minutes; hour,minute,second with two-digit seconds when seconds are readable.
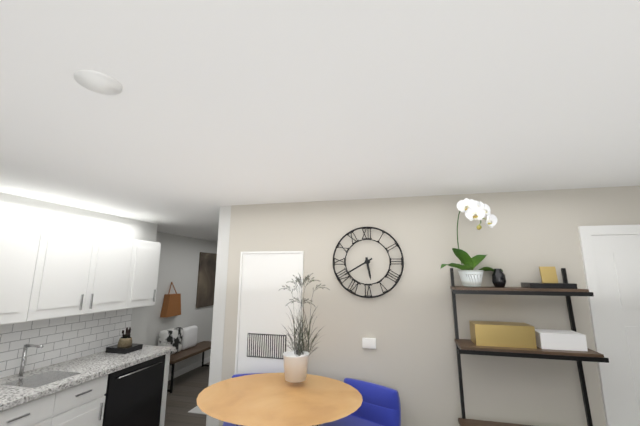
5,40
